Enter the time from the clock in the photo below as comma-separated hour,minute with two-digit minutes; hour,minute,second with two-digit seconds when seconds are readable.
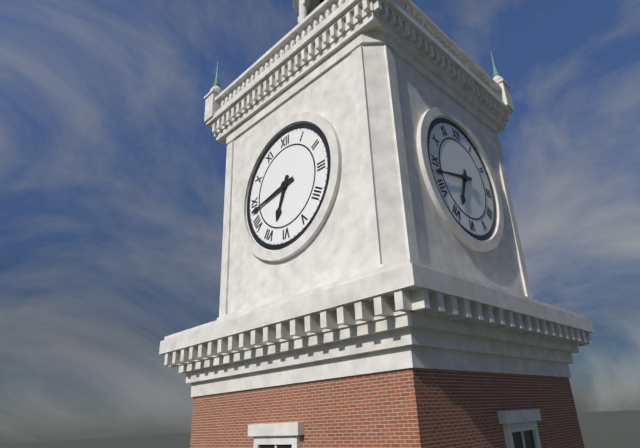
6,43
